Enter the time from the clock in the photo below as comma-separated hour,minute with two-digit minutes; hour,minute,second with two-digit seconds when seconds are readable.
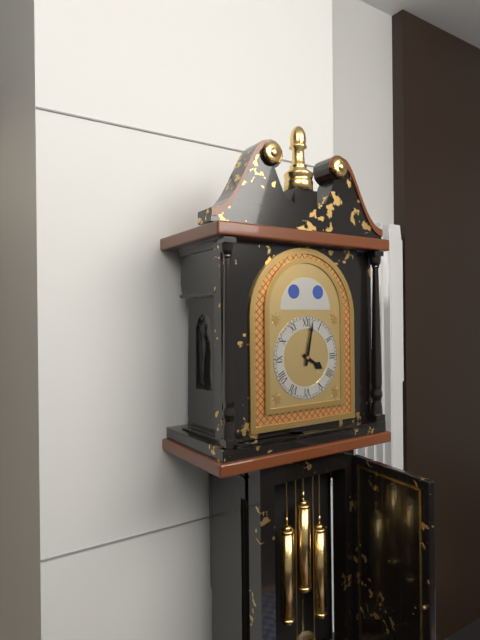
4,02
